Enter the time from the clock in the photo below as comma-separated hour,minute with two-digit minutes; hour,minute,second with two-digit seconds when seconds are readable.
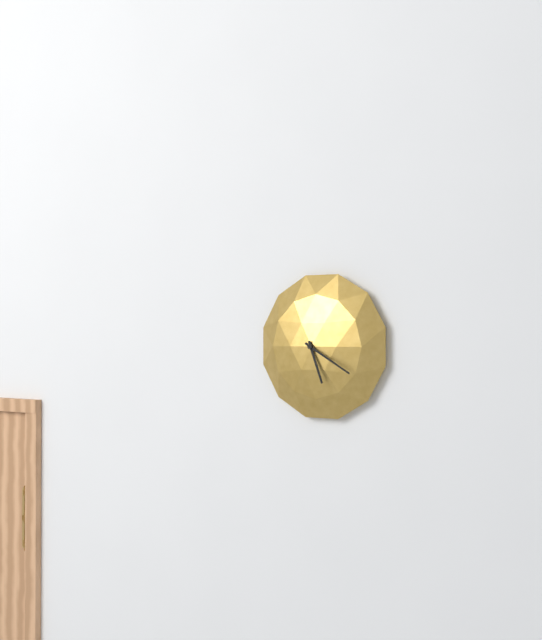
5,20
